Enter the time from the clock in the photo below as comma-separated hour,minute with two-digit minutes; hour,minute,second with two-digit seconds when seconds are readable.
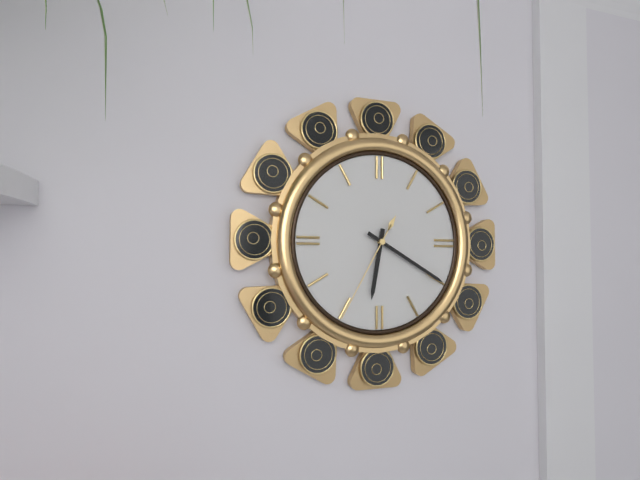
6,20,35
